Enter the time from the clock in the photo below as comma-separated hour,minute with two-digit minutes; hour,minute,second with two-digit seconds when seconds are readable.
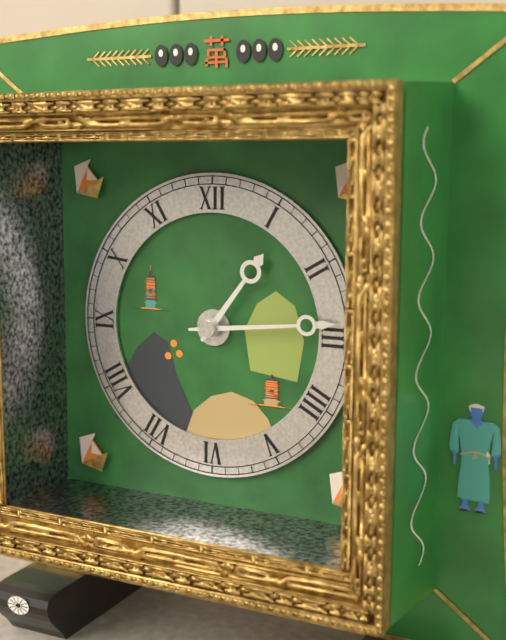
1,14
